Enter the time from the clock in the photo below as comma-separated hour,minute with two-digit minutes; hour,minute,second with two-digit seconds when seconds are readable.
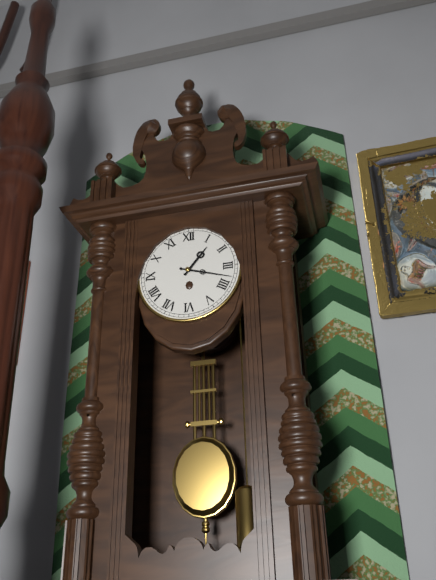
1,18
